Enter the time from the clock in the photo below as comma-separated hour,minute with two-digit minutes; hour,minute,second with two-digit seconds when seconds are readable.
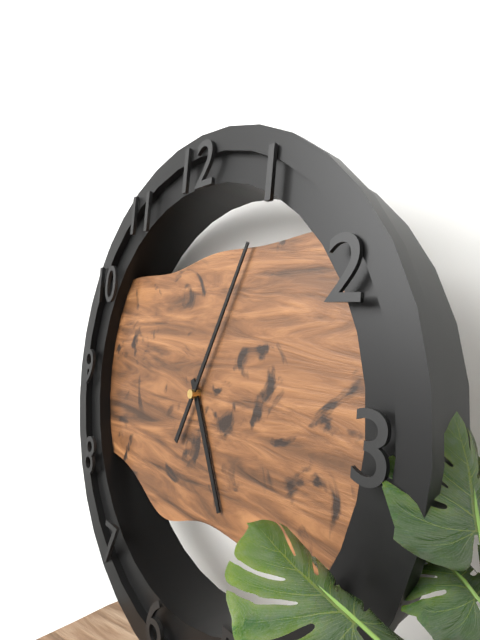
5,04
